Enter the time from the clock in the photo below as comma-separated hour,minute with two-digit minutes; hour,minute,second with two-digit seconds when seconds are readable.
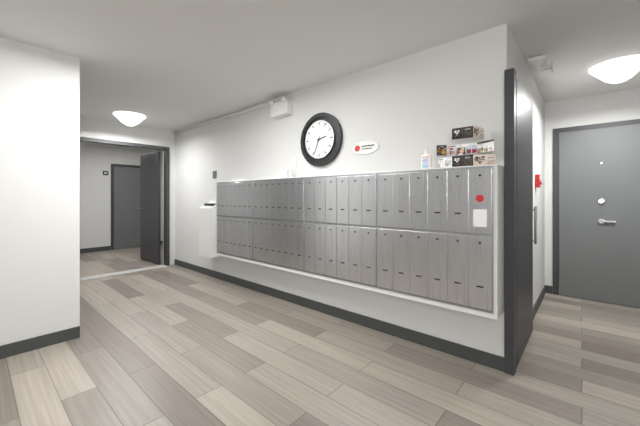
2,34
